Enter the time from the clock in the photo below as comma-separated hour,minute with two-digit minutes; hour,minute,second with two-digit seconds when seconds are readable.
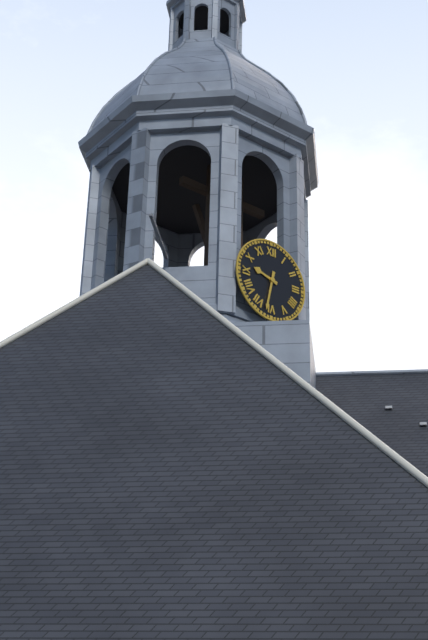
9,32
